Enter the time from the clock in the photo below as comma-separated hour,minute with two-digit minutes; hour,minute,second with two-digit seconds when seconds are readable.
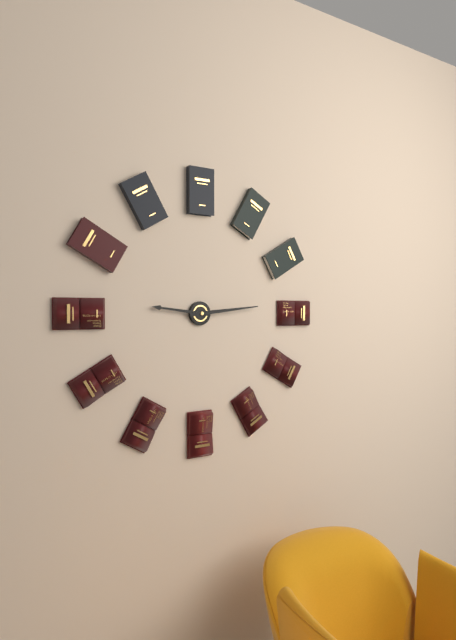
9,14
